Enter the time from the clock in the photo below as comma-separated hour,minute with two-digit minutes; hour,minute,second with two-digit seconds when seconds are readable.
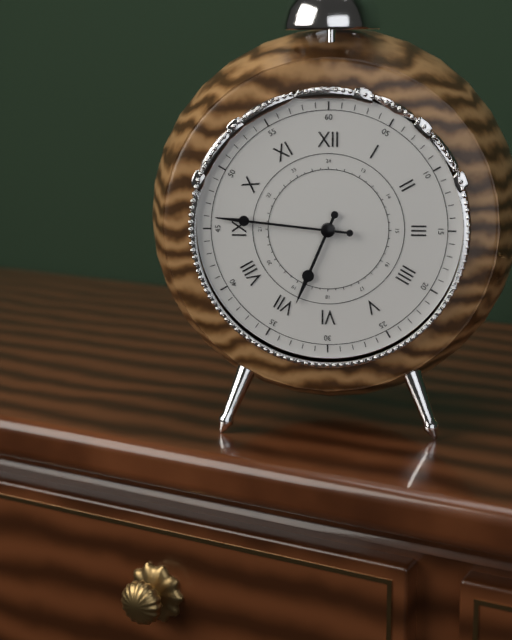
6,46
